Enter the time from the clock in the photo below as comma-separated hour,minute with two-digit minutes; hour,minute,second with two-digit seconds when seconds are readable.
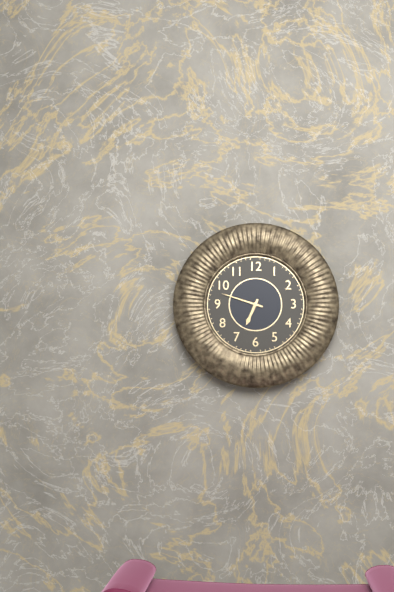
6,48
